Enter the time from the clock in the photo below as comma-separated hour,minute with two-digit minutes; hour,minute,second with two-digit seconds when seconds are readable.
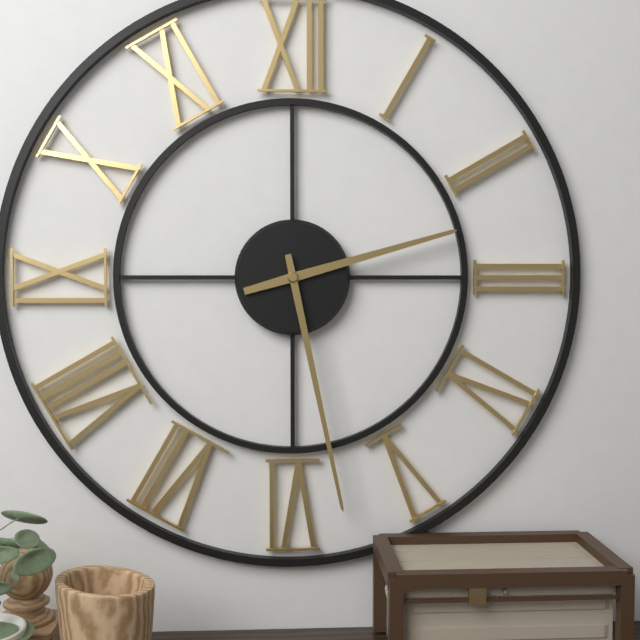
2,28
